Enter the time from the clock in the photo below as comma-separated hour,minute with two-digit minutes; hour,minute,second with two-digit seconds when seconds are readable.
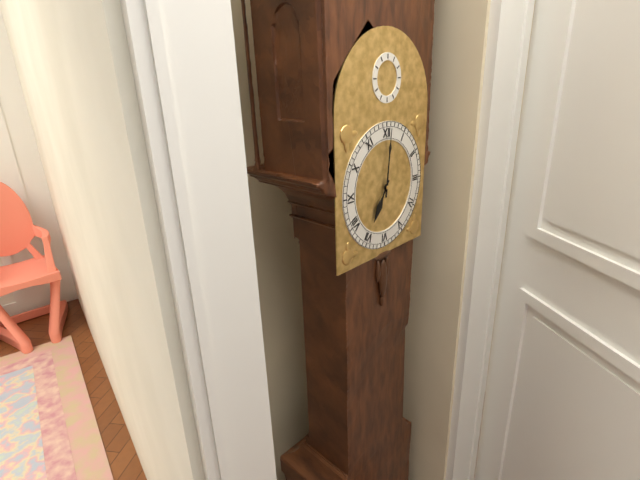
7,01
